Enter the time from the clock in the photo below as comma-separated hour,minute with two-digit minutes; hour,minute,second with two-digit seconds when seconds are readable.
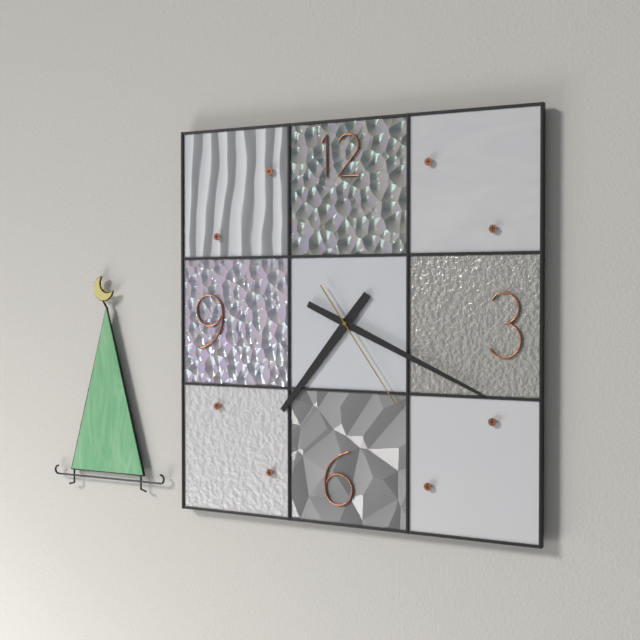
7,19,24
